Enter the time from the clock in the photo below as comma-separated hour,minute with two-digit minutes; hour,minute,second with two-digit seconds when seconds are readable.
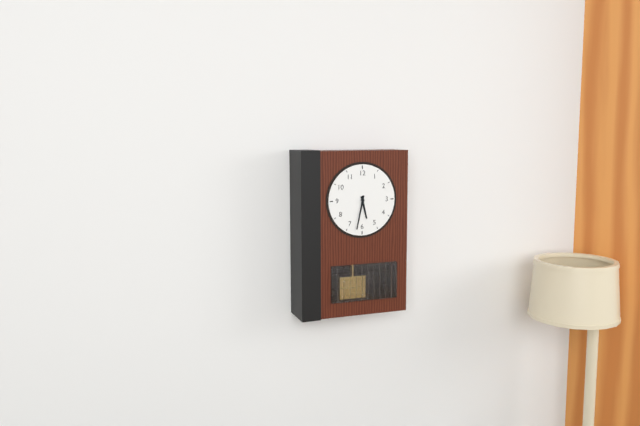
5,32
